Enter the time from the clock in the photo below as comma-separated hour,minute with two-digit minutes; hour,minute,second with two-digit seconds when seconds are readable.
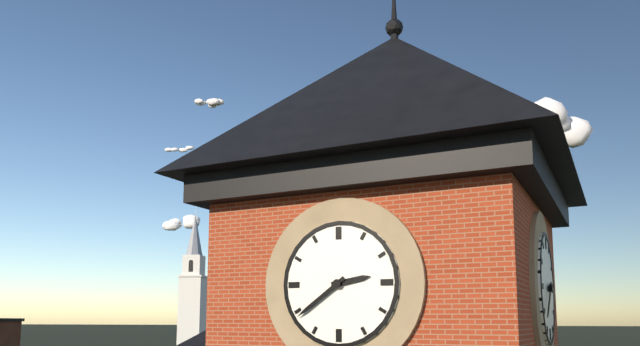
2,39
